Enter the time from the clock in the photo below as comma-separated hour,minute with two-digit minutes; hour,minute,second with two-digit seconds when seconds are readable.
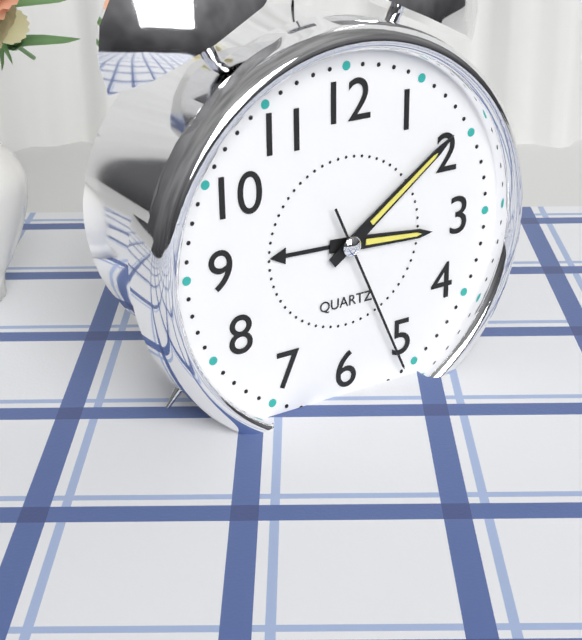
3,09,26
